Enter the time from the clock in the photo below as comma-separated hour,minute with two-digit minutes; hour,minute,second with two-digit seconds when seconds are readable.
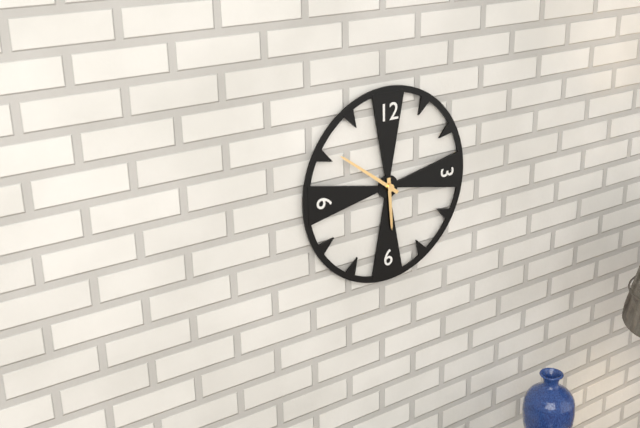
5,51
